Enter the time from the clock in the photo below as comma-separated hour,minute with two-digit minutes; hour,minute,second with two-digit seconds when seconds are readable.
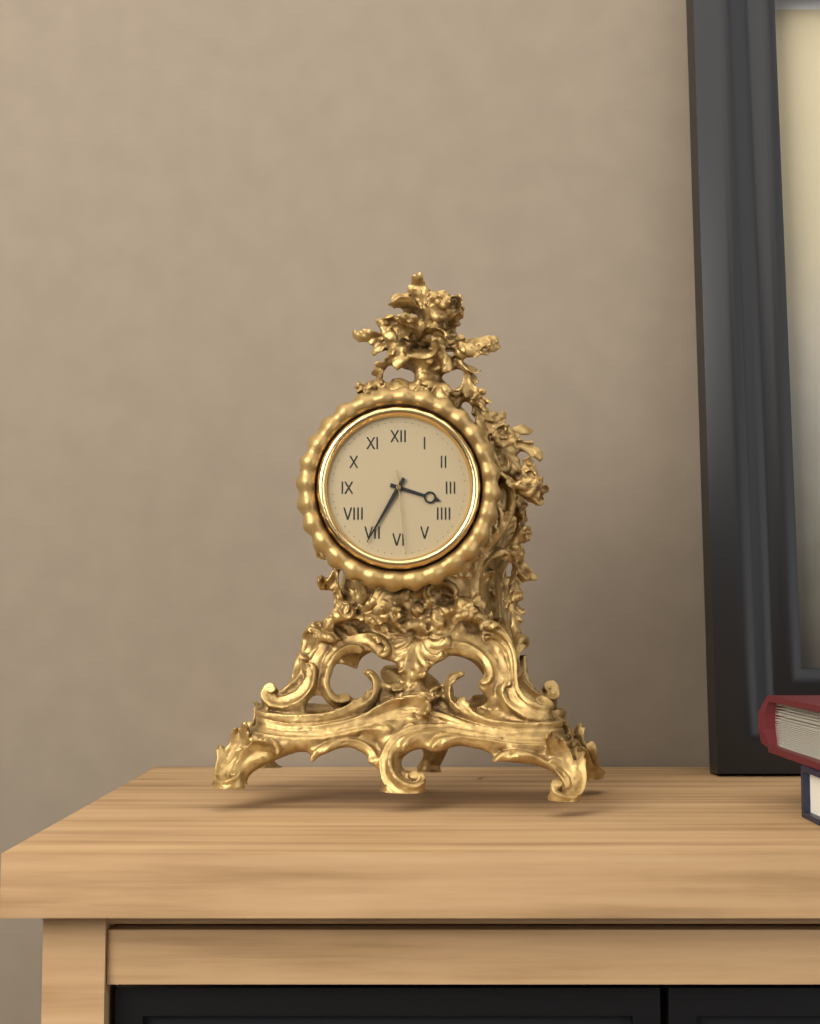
3,35,29
